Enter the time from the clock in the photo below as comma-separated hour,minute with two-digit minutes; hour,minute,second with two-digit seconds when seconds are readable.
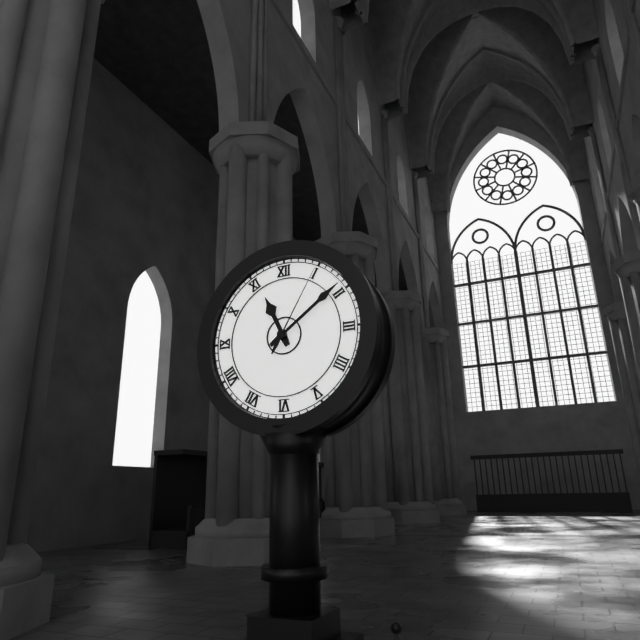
11,09,05
